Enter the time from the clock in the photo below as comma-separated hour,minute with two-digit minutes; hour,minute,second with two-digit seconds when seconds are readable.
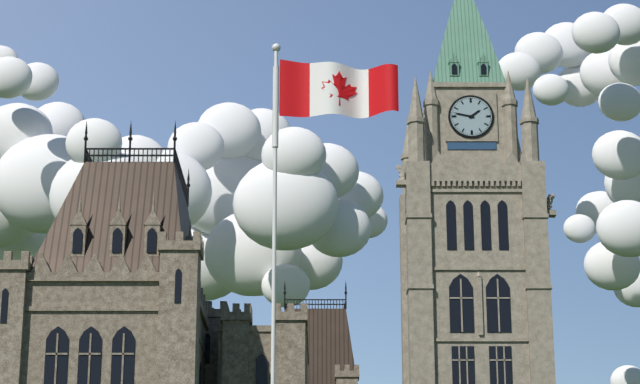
1,47
